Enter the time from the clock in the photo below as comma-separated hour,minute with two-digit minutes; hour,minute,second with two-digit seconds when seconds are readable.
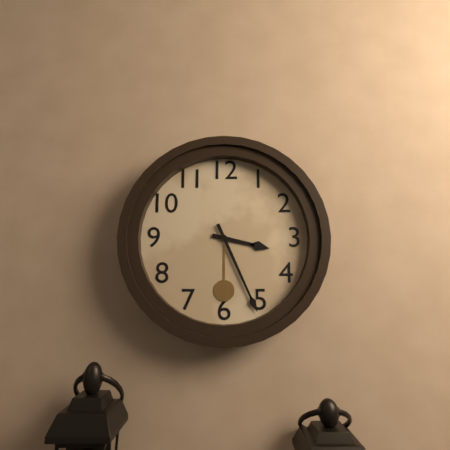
3,26
